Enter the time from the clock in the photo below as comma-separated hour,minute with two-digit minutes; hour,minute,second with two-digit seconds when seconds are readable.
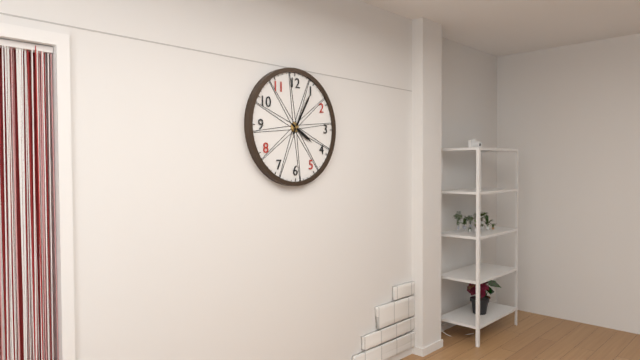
4,05
